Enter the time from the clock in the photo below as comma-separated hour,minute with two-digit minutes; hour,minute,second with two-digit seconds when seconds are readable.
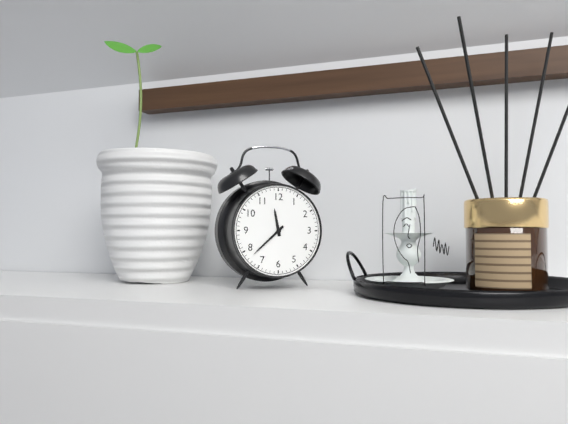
11,38
